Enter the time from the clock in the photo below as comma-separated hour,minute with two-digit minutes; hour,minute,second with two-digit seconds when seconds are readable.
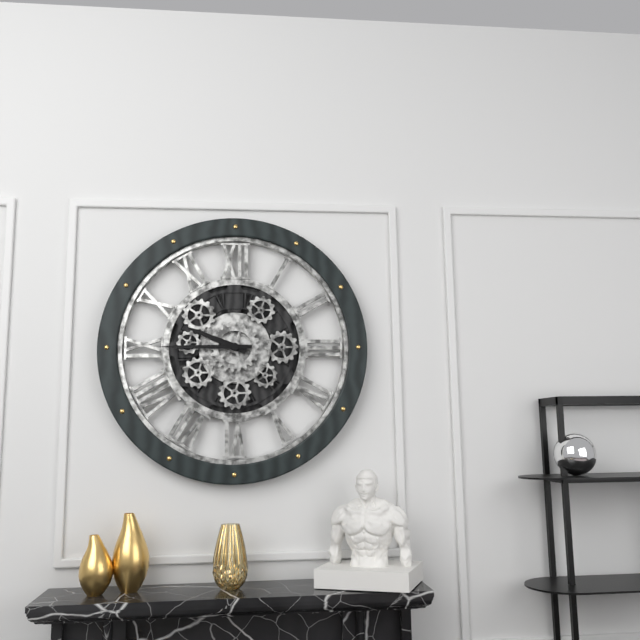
9,45
